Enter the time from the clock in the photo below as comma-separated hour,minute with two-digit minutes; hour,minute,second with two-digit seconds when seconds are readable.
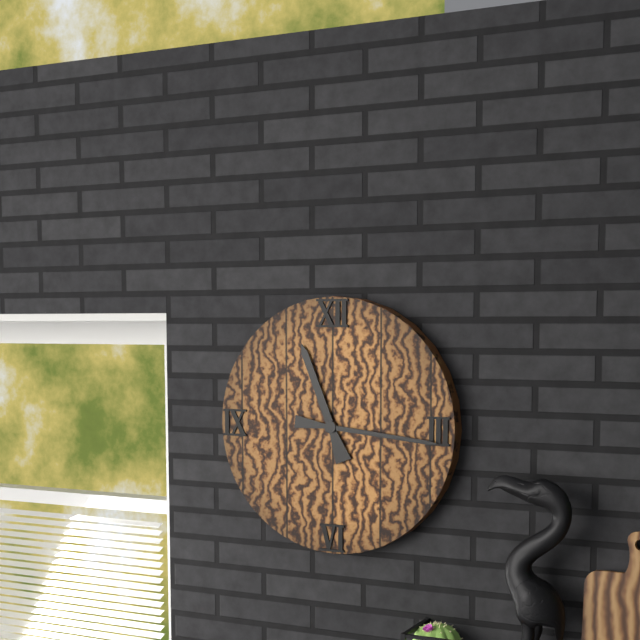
11,16
